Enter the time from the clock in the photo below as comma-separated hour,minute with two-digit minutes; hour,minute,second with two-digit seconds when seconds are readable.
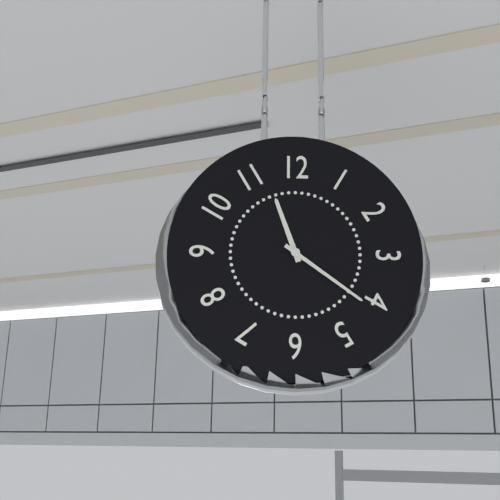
11,21
